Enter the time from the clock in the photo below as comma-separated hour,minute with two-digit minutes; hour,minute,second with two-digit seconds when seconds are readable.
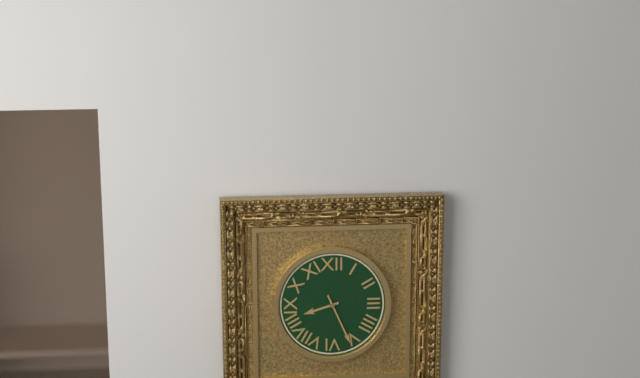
8,26
